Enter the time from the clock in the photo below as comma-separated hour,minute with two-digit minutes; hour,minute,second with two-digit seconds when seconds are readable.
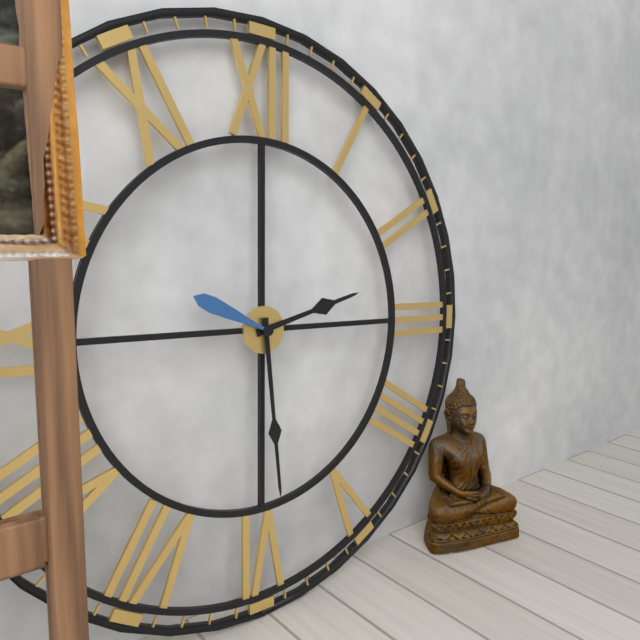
2,29,49
